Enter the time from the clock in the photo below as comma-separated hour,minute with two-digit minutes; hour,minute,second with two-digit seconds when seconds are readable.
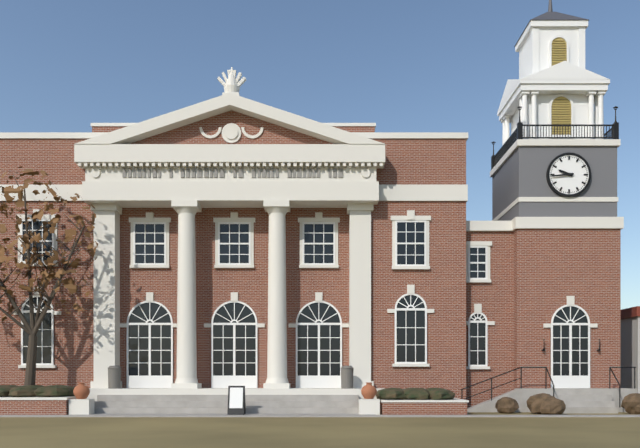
9,44
